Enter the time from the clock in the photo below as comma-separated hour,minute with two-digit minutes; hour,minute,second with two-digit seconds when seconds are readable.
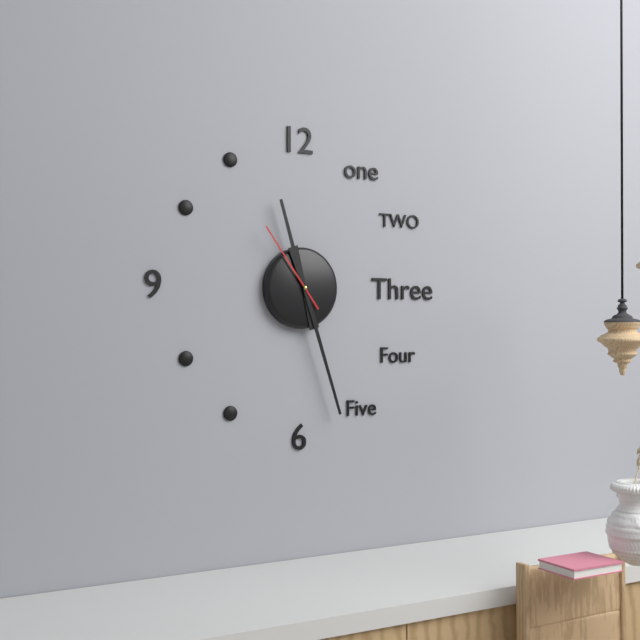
11,27,54
